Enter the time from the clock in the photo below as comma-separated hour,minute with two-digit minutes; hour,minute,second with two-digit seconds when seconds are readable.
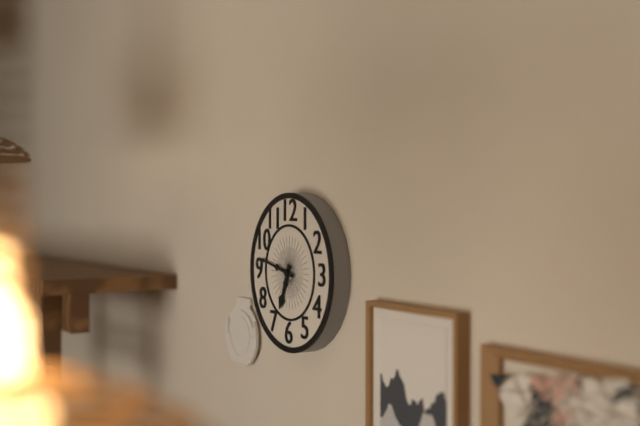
6,47
